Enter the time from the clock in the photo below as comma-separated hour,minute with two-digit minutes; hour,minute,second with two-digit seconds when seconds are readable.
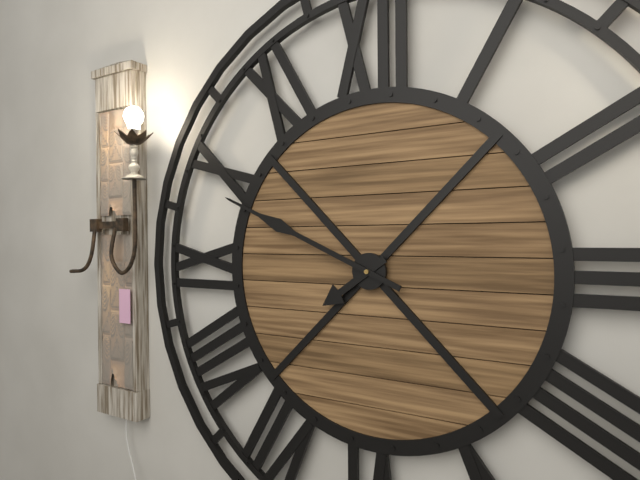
7,49
